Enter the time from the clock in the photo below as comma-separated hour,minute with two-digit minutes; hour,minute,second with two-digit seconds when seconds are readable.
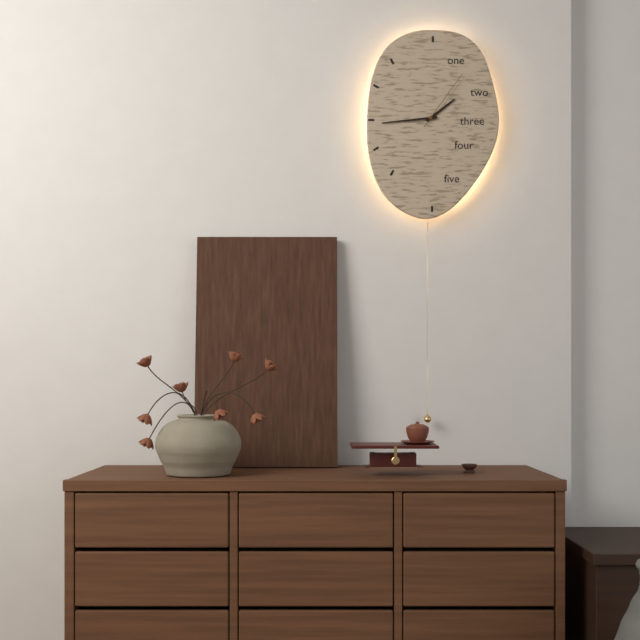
1,44,06
